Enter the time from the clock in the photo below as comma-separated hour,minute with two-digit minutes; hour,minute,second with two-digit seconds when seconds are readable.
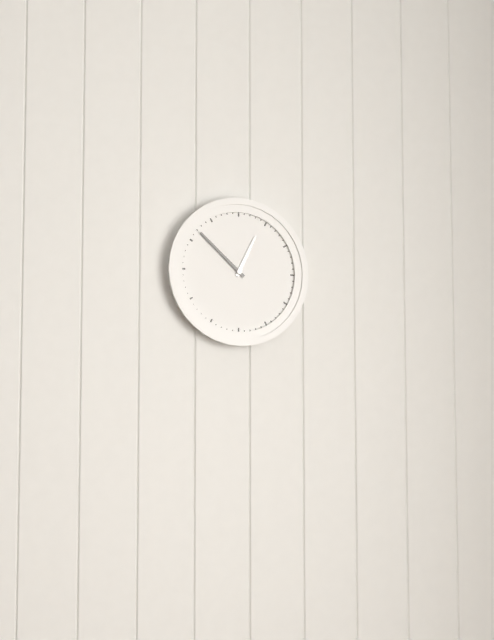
12,52
